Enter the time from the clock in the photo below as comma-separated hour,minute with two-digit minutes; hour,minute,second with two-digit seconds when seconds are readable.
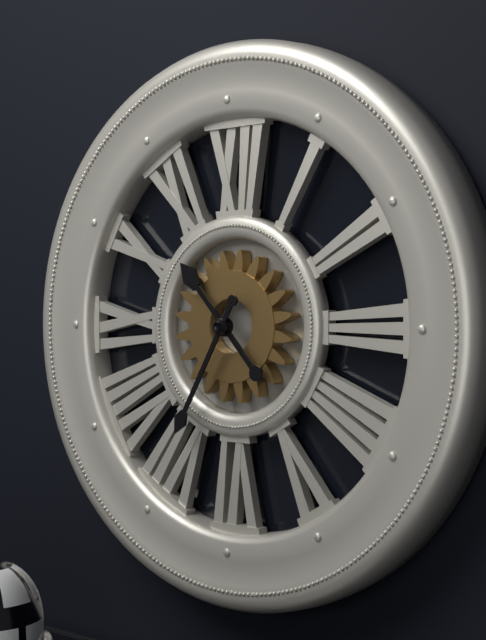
10,35
